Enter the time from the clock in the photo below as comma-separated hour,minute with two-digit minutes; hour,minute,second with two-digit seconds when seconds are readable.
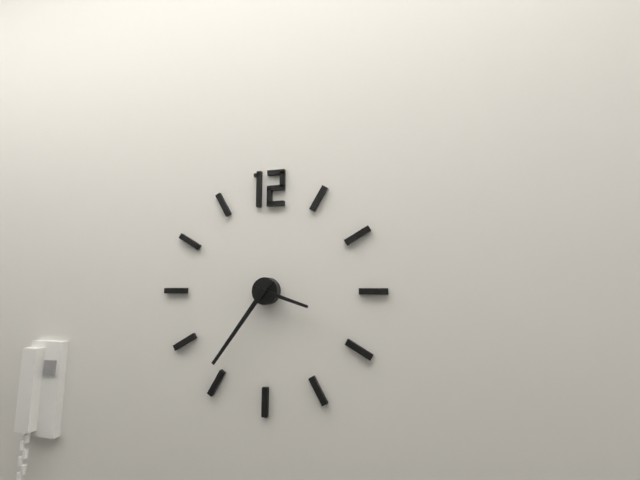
3,36
